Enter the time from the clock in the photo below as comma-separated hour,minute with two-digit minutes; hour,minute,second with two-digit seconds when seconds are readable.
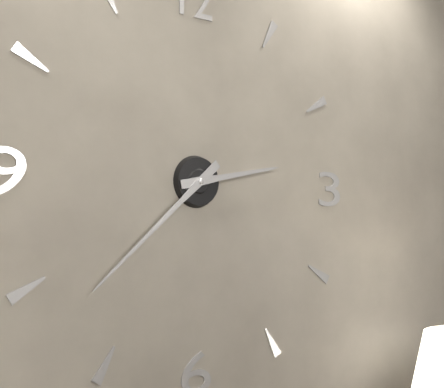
2,38
